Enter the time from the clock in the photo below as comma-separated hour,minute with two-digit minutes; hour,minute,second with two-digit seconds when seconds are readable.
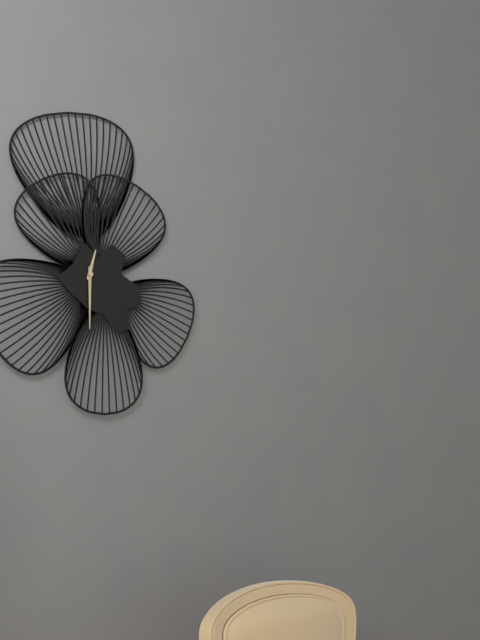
12,30
